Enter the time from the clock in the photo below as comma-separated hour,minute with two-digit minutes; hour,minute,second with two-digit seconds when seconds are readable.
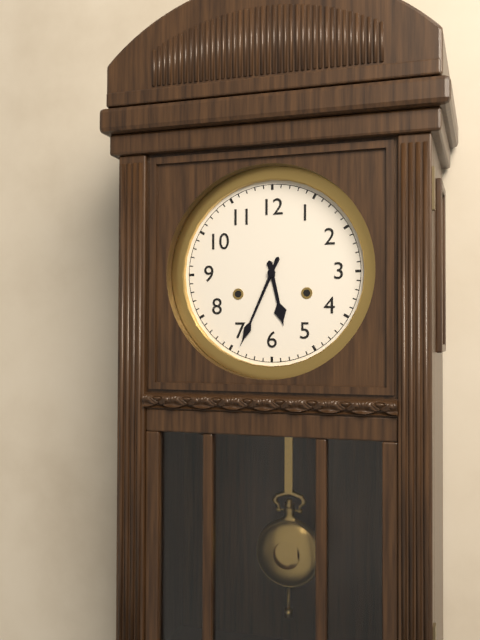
5,34
